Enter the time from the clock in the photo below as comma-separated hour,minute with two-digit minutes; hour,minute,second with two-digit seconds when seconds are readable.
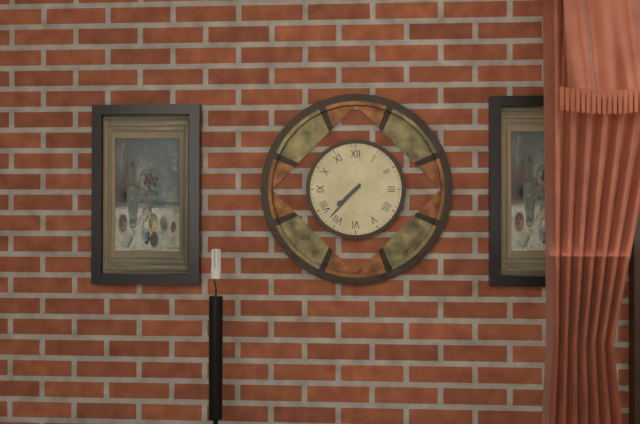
7,37
